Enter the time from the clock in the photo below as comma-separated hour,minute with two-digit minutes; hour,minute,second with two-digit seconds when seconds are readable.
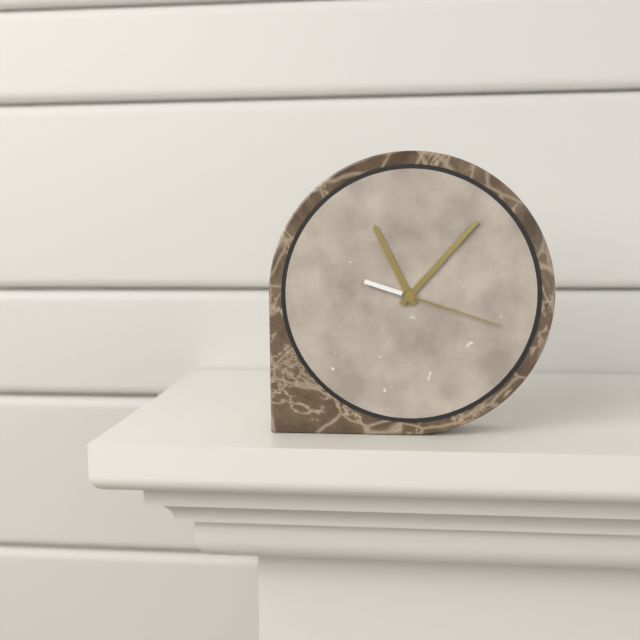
11,07,18
